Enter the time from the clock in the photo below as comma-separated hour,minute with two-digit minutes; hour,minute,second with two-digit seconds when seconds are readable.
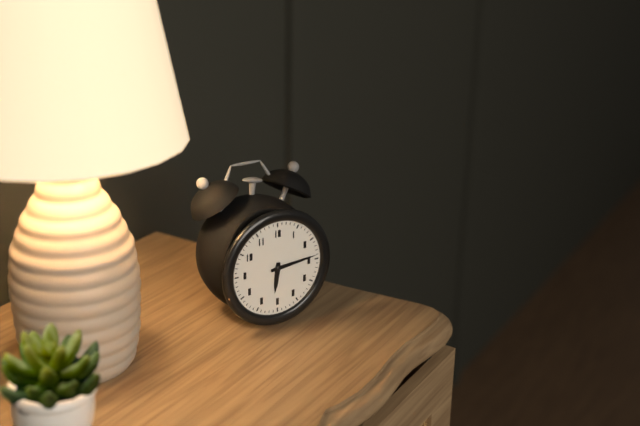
6,14
